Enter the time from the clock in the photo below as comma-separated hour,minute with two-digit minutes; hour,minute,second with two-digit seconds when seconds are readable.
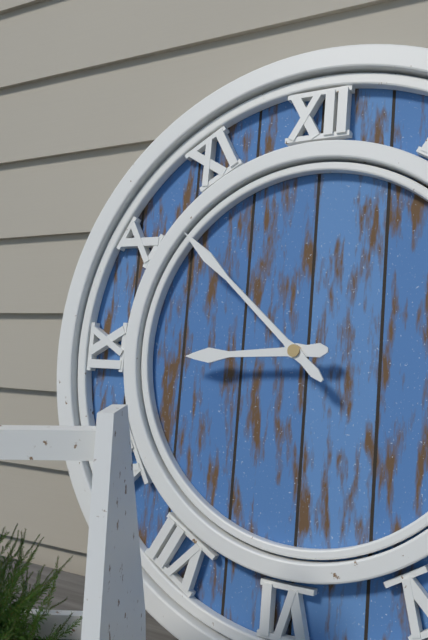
8,52
